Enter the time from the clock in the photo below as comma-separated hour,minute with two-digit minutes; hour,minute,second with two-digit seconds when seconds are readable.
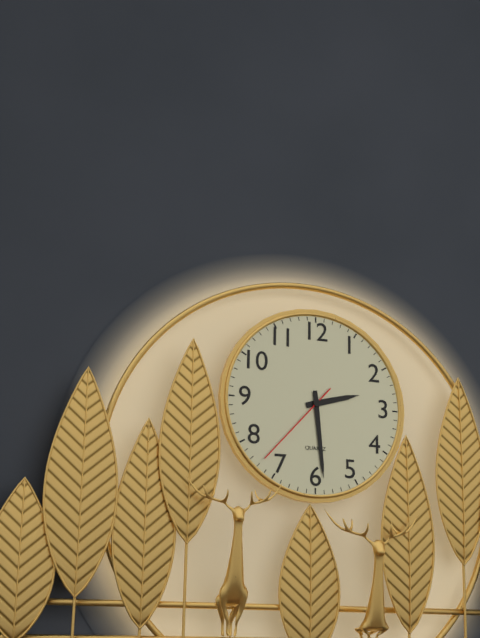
2,29,37
